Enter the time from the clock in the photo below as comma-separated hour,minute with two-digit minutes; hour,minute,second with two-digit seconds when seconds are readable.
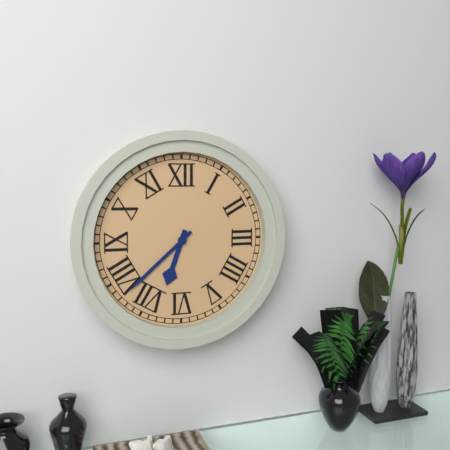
6,38
